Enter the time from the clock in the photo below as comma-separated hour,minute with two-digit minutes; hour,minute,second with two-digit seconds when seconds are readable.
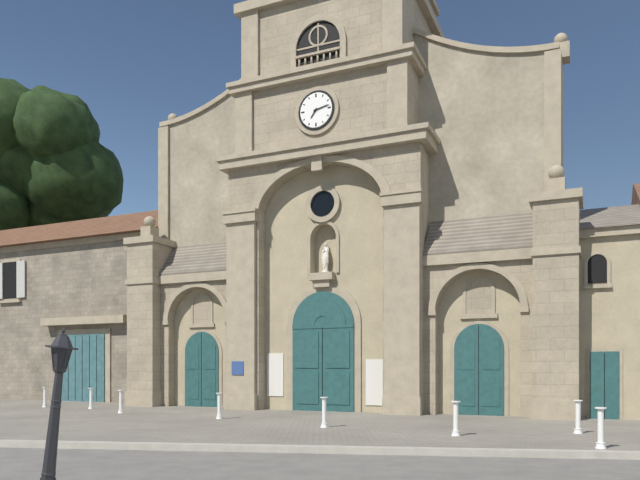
7,13
